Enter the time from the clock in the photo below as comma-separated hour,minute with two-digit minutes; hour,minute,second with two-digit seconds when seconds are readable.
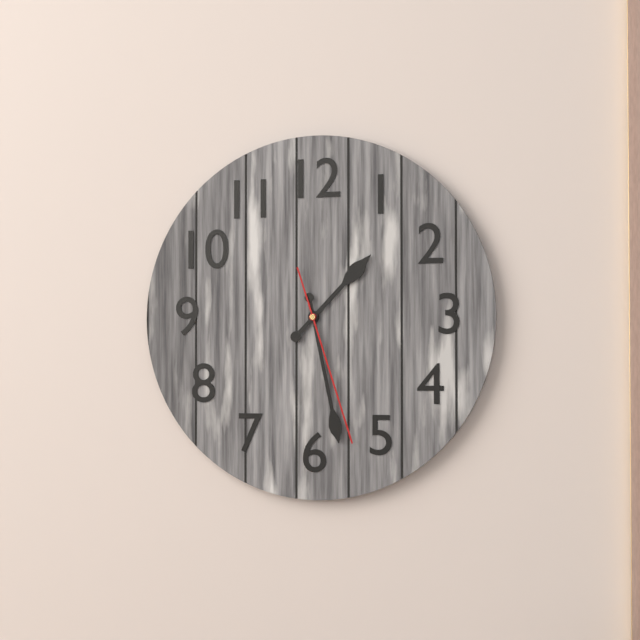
1,28,27
